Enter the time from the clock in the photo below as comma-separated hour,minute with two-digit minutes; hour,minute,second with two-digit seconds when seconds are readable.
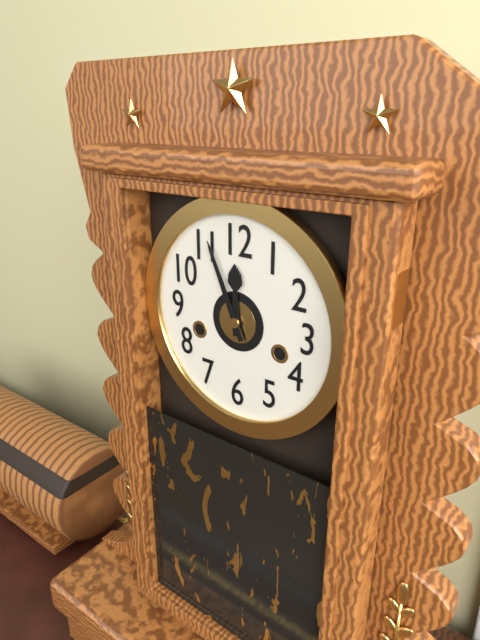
11,56
